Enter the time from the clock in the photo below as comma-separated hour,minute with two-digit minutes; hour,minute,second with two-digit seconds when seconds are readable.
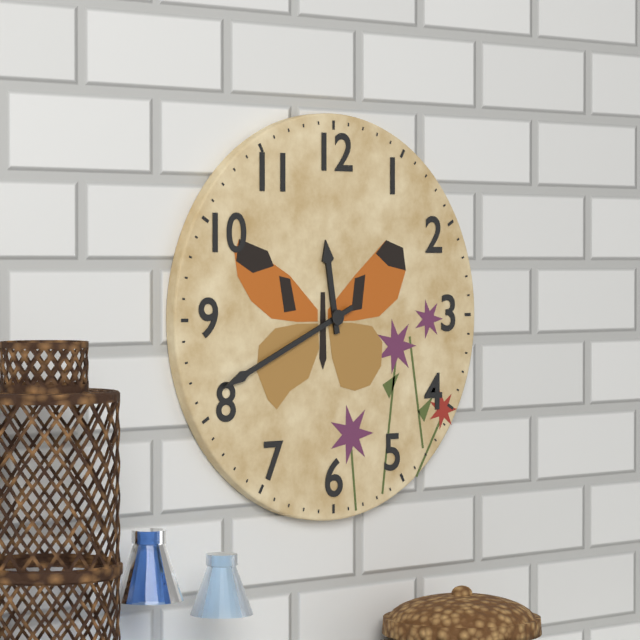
11,41
